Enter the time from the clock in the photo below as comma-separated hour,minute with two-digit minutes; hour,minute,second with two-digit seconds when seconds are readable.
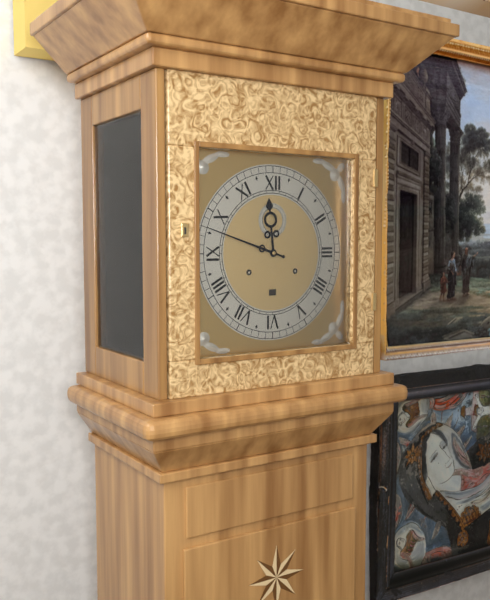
11,48
